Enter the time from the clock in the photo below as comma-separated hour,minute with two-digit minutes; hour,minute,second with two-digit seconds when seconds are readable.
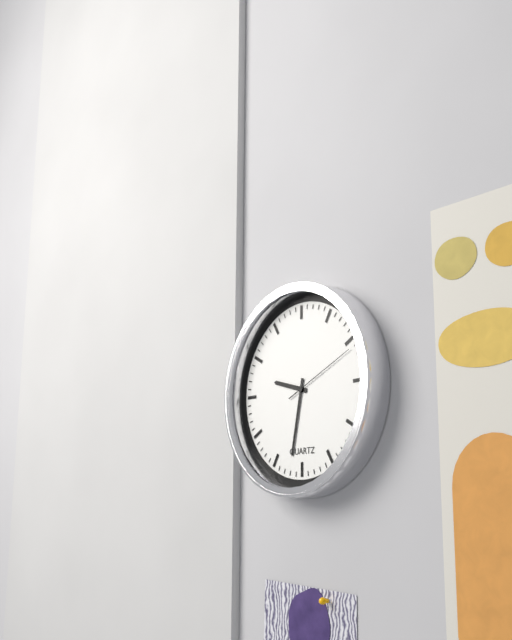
9,32,11
